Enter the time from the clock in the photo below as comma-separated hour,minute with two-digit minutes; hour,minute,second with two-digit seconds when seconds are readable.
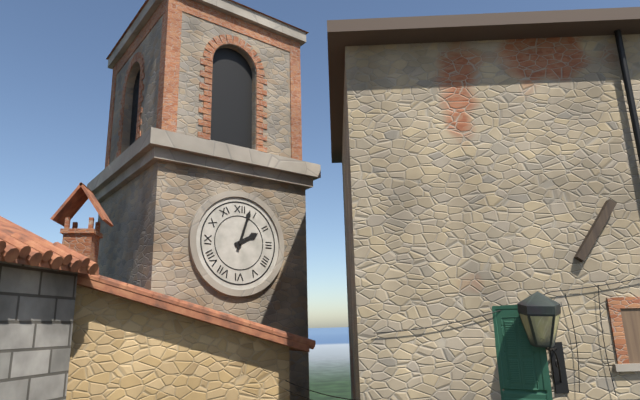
2,03
